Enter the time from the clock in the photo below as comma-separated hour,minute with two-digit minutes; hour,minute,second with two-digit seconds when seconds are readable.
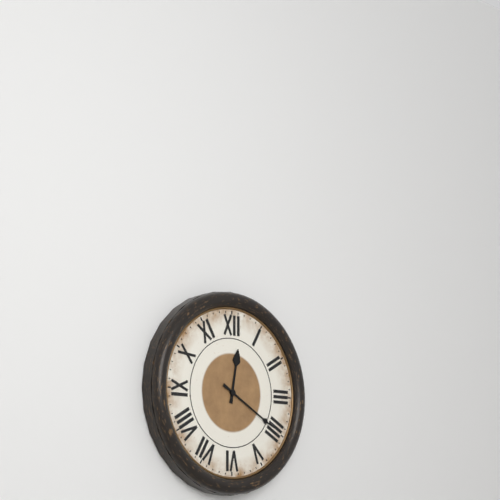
12,20
